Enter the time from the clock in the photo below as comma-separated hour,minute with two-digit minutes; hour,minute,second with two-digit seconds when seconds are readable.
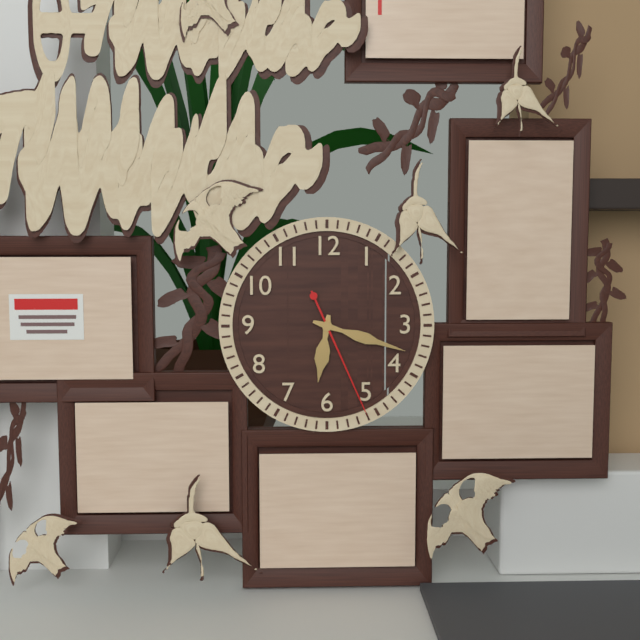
6,18,26
